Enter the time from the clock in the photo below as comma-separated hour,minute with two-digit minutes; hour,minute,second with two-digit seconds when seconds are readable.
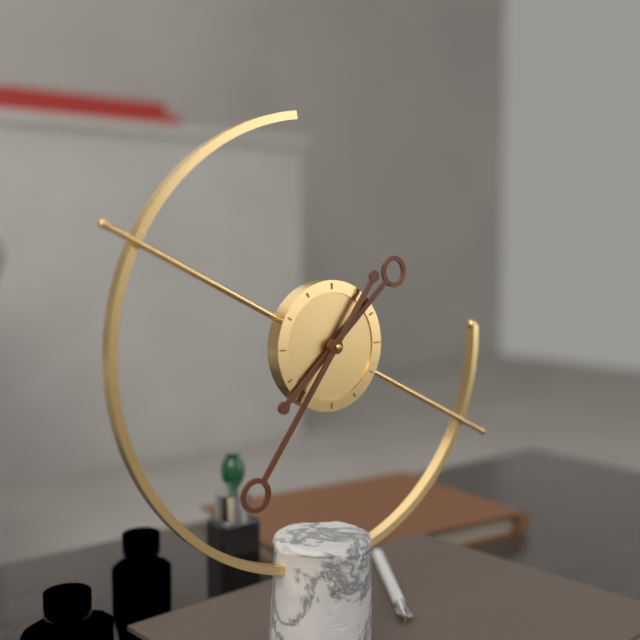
1,36
